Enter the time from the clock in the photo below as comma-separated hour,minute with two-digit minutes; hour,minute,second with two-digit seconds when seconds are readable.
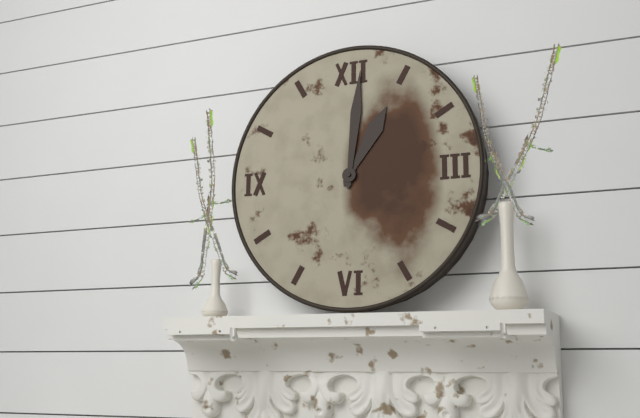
1,01
